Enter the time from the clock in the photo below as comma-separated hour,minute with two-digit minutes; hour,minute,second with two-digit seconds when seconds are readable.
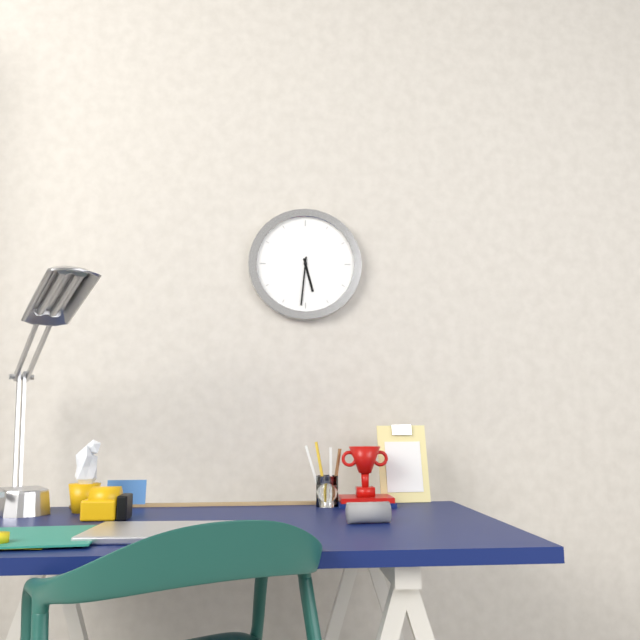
5,31
